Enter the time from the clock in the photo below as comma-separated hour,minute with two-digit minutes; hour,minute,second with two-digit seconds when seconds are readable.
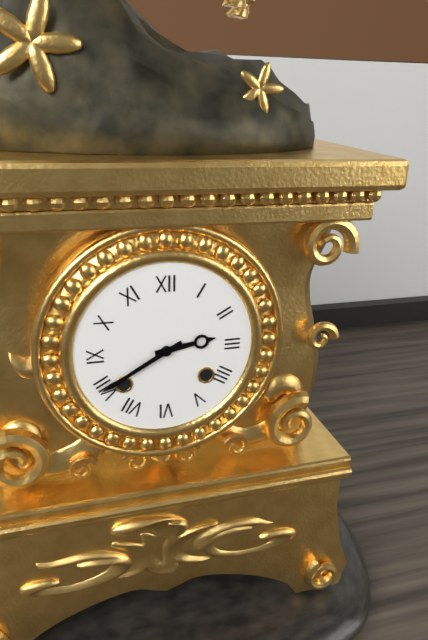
2,40
